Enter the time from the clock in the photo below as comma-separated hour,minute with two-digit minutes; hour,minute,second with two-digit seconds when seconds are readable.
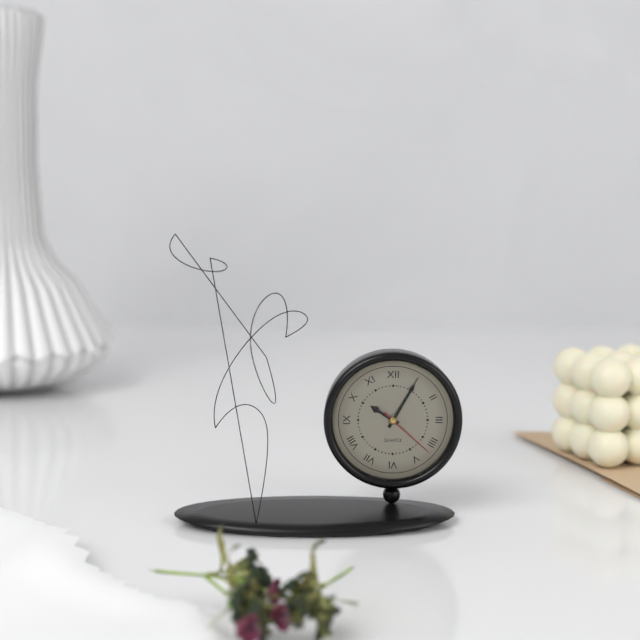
10,05,22
